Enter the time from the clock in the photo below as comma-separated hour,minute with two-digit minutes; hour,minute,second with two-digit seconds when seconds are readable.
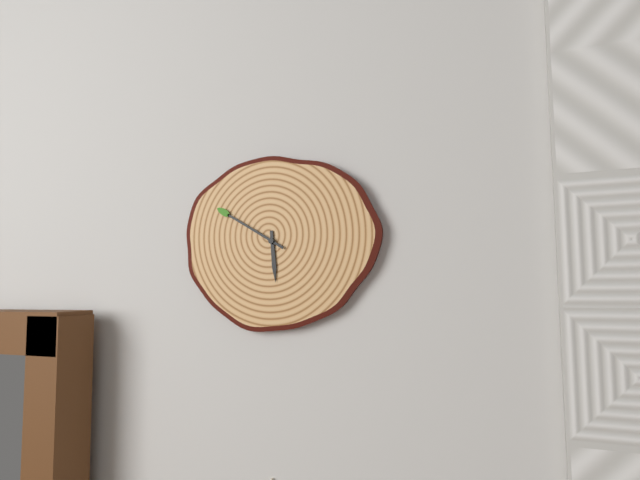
5,50
